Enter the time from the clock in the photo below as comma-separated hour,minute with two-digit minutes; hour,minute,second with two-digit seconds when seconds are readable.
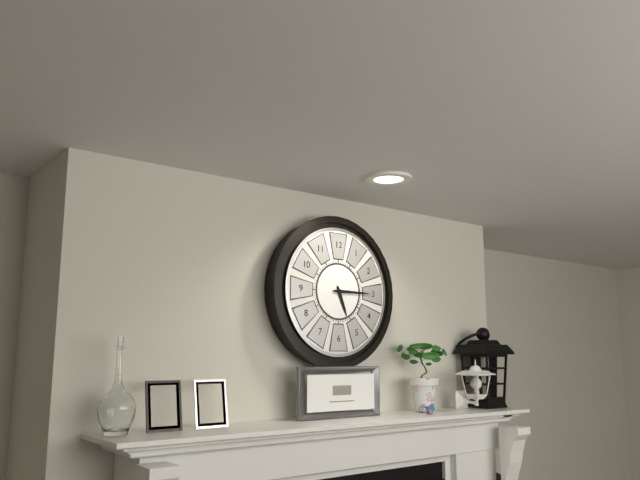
5,15
